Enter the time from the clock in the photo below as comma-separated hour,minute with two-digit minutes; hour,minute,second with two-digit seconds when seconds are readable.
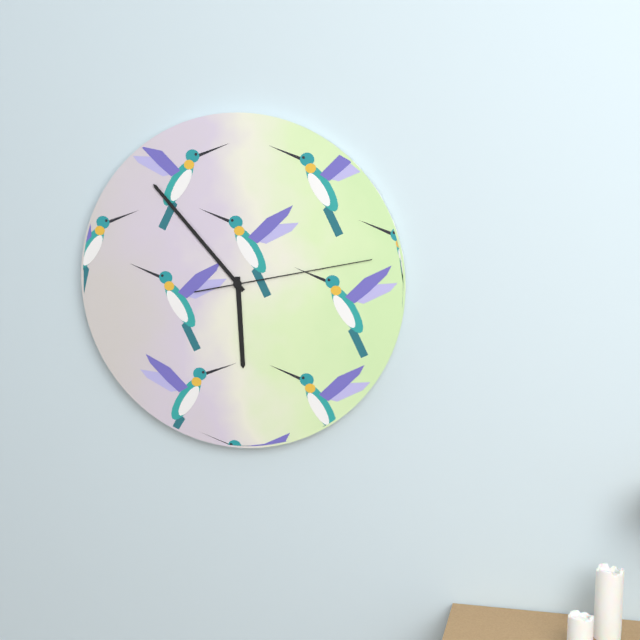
5,53,13
